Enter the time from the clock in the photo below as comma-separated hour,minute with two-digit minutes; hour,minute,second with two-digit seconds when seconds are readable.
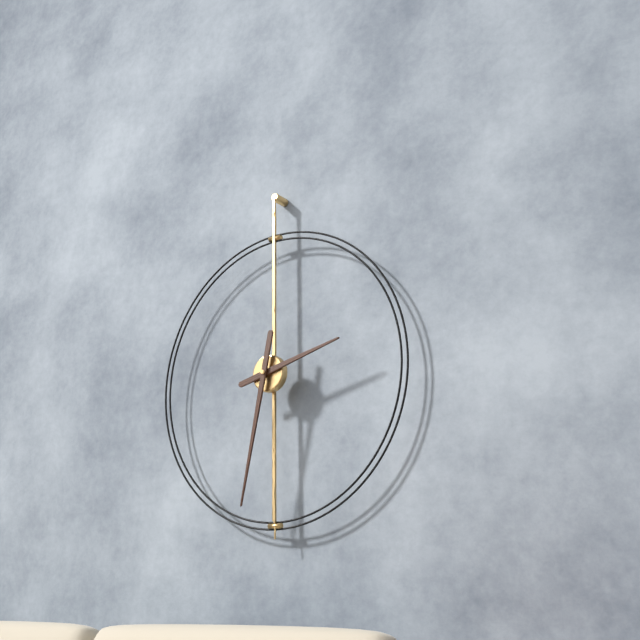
2,32
